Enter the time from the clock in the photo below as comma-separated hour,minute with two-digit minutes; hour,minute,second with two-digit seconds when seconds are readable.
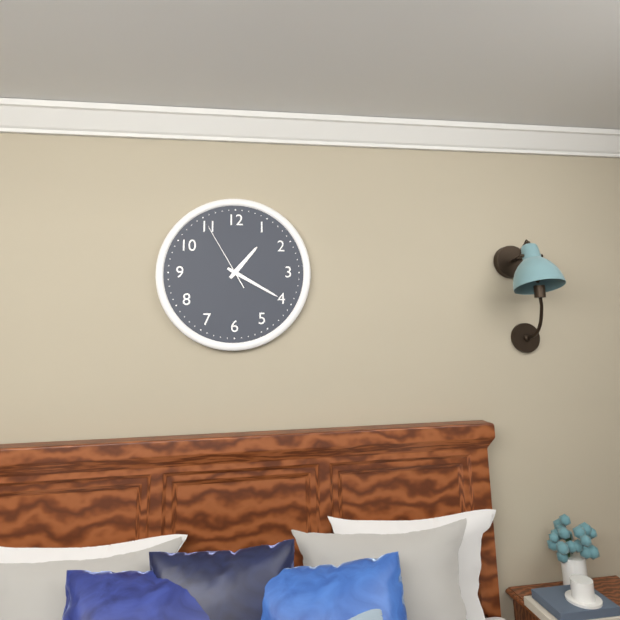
1,20,55
